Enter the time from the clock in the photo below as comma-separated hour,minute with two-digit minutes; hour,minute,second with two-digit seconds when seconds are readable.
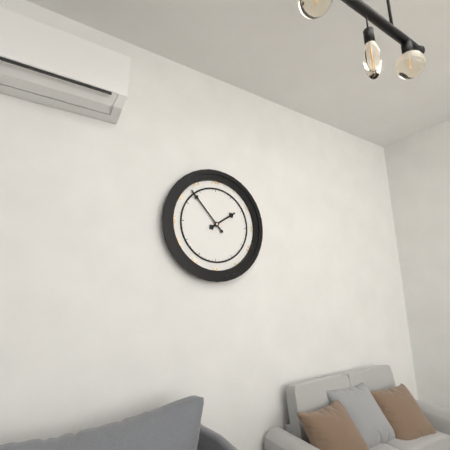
1,53
